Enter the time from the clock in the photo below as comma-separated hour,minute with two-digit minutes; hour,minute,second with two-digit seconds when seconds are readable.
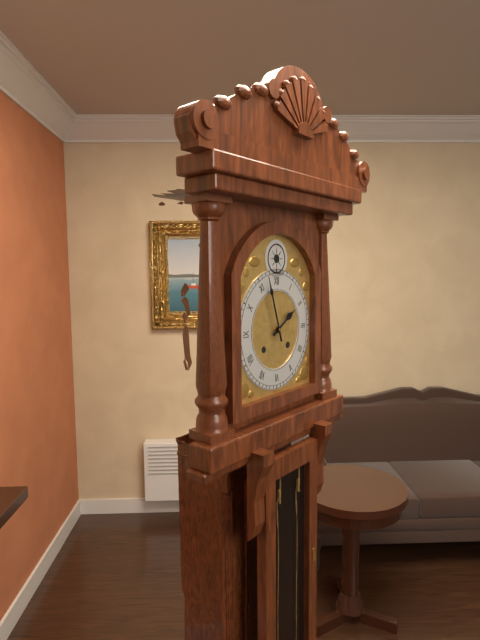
1,57
